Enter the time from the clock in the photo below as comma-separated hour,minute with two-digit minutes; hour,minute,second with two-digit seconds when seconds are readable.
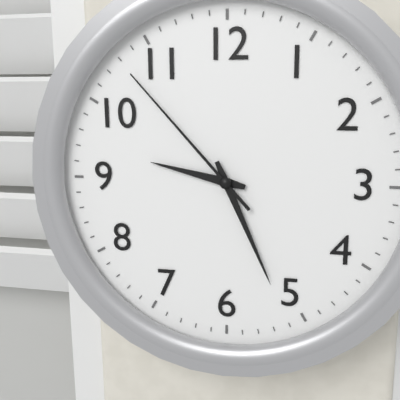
9,26,53
